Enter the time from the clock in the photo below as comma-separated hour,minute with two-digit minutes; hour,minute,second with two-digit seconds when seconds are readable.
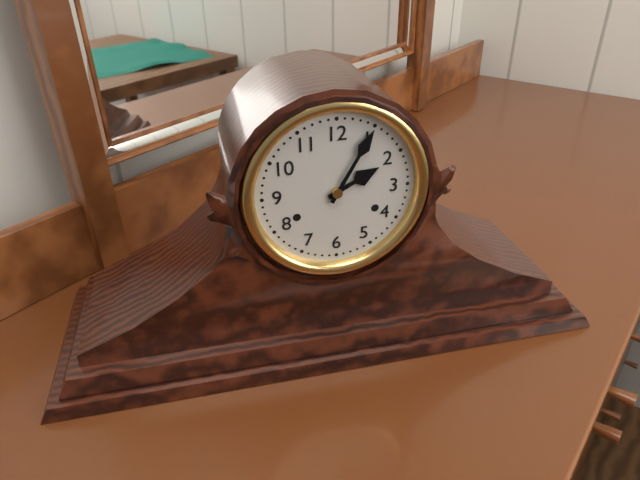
2,05
